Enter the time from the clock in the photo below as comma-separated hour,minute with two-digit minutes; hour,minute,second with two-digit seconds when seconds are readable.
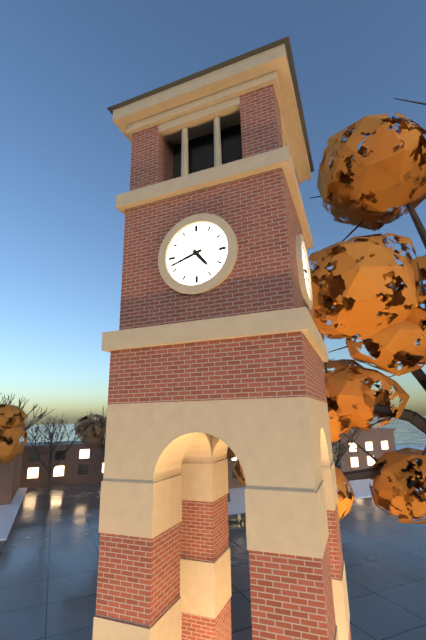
4,42
